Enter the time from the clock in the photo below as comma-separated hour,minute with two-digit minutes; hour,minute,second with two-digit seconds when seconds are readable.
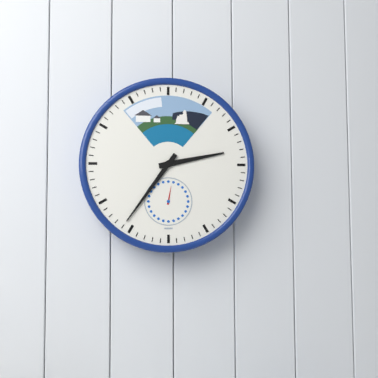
2,36
